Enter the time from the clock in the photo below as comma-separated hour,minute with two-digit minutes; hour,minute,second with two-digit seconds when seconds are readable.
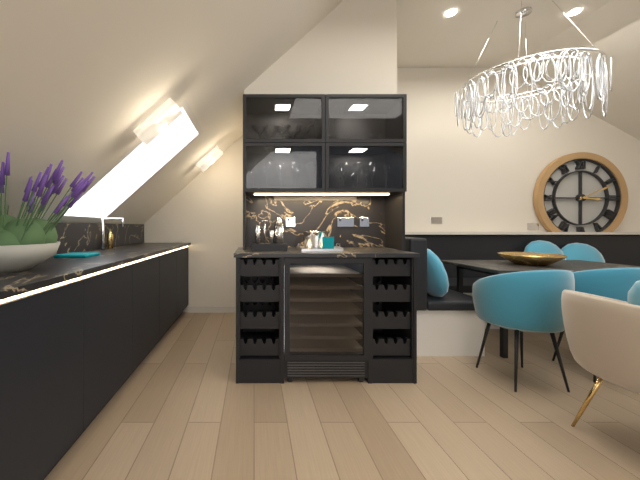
3,11
